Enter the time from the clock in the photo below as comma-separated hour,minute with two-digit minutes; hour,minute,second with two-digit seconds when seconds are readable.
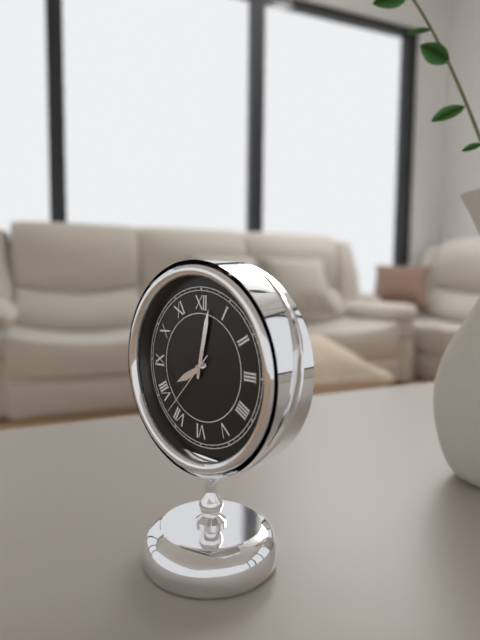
8,02,37
